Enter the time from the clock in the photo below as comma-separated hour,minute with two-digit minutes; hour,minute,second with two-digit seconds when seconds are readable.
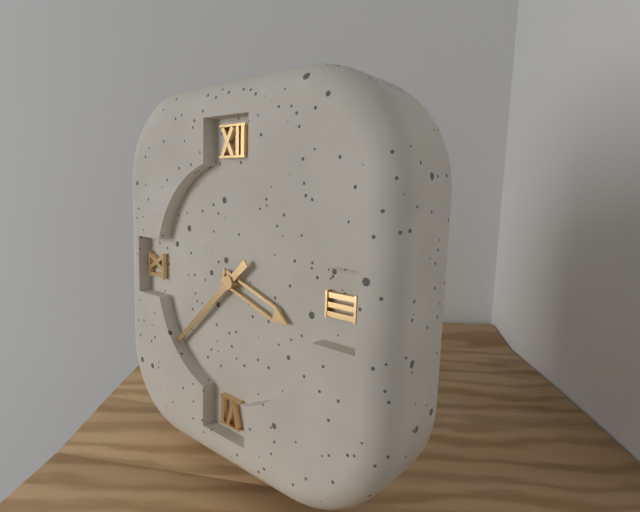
3,38
